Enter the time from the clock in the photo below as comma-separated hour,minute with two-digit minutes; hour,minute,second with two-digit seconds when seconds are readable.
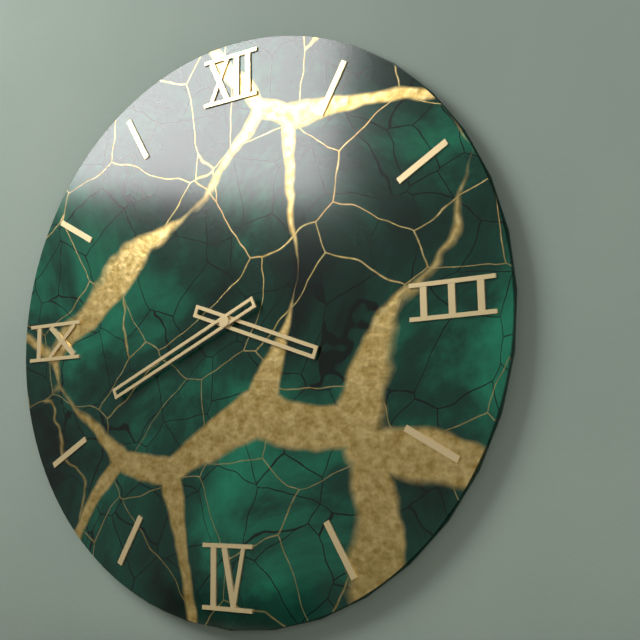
3,41
